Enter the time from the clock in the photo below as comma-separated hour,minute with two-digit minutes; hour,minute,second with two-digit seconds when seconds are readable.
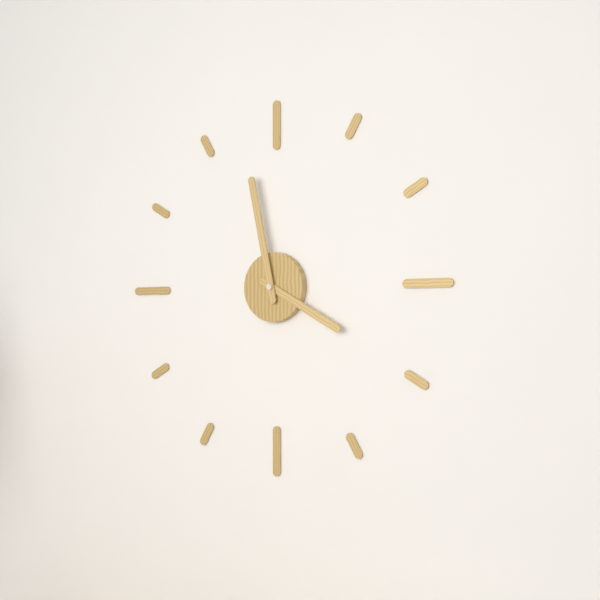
3,58
